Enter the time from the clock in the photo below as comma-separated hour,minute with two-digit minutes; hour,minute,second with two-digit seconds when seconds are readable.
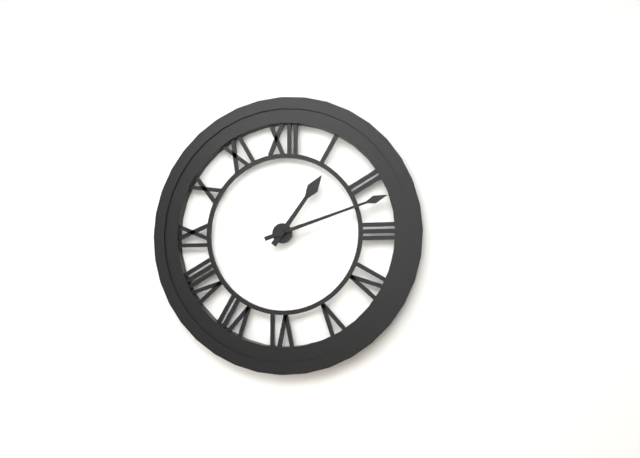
1,12
